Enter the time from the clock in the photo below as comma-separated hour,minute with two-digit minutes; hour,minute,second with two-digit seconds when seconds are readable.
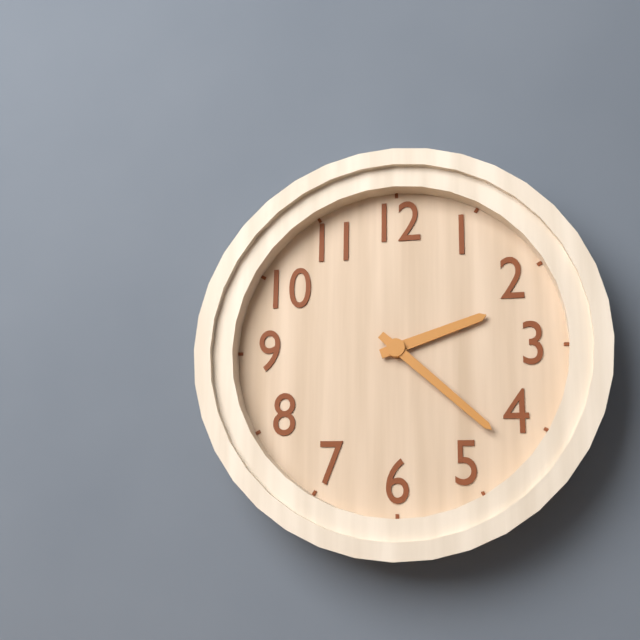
2,22
